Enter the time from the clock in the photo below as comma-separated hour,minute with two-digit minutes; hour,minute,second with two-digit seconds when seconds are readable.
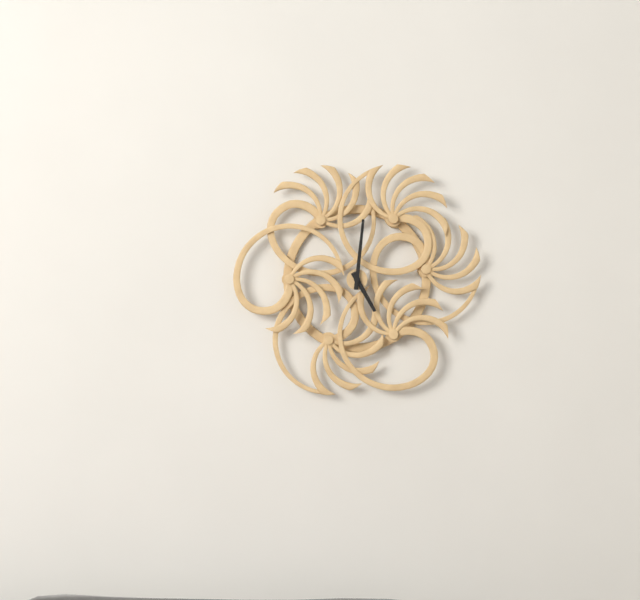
5,01
